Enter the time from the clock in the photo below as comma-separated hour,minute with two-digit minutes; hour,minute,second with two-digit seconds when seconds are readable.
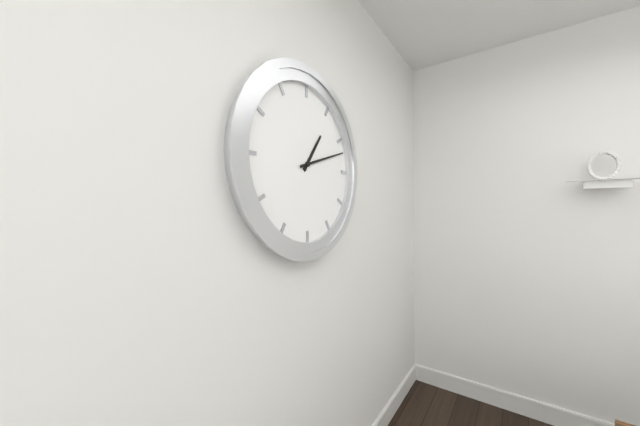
1,12
